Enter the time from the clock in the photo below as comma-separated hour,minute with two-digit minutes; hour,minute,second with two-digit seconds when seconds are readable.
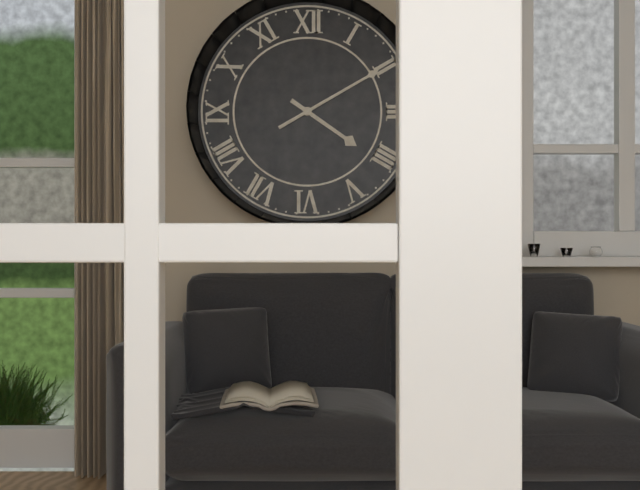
4,10
